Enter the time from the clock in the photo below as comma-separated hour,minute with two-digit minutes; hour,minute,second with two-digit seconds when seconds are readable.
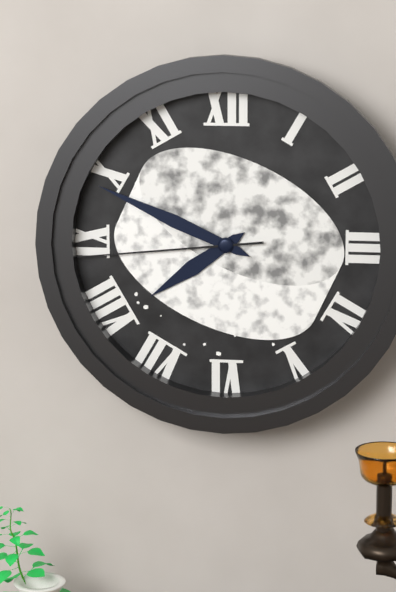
7,49,44
